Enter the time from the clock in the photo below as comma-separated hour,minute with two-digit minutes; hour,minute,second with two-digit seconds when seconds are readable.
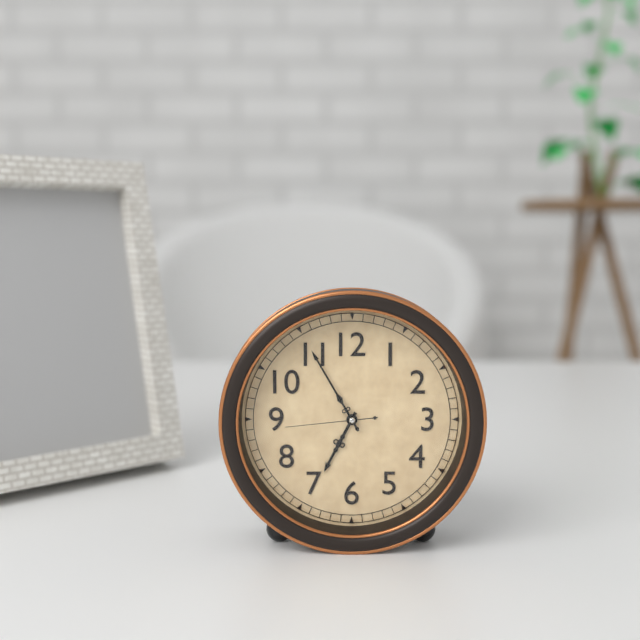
6,55,44
